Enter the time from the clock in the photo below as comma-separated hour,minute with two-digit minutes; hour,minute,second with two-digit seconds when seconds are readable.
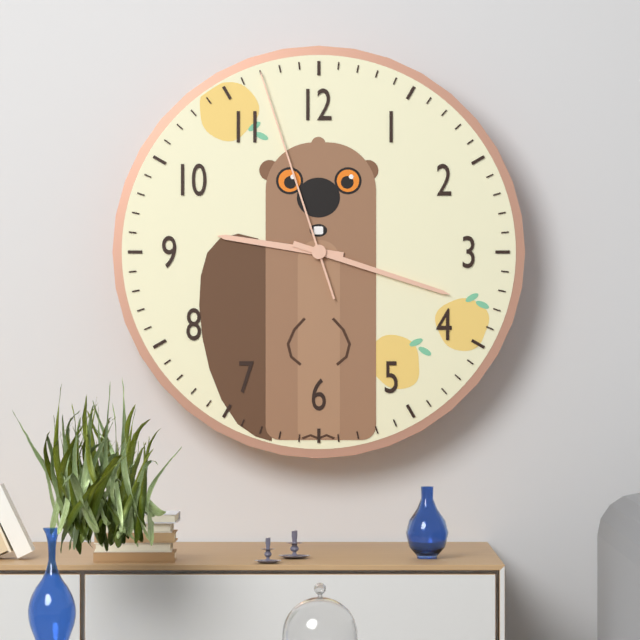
9,18,57
